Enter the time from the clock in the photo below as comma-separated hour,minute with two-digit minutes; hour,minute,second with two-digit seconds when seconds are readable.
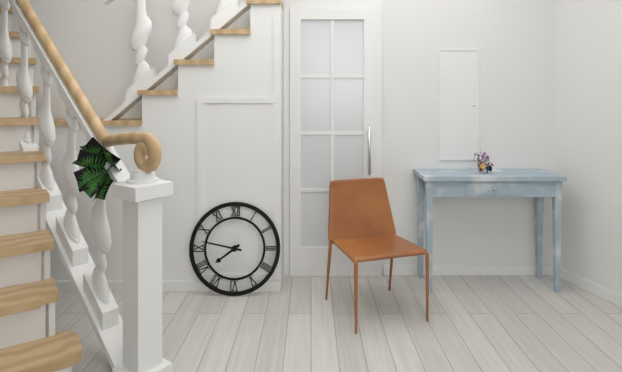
7,47
